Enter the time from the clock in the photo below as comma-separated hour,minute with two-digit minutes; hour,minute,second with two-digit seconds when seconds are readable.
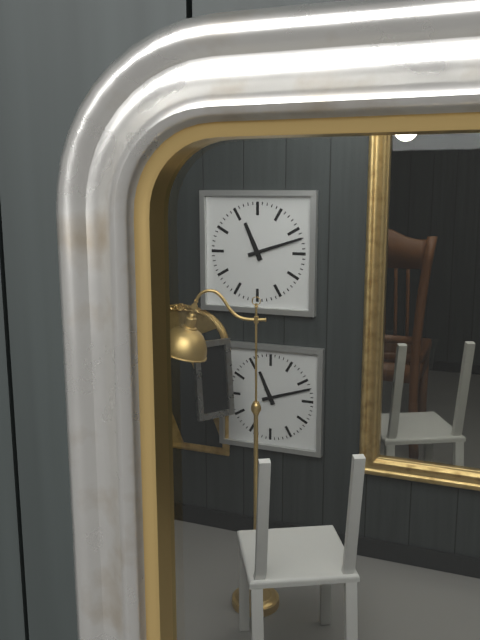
11,12
